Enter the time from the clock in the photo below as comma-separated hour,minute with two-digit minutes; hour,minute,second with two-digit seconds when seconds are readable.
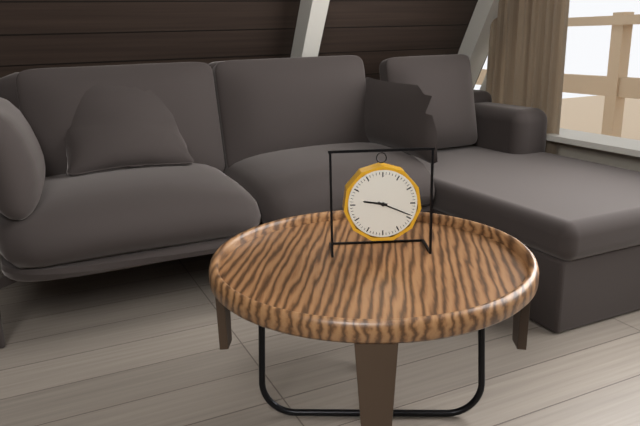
9,19
